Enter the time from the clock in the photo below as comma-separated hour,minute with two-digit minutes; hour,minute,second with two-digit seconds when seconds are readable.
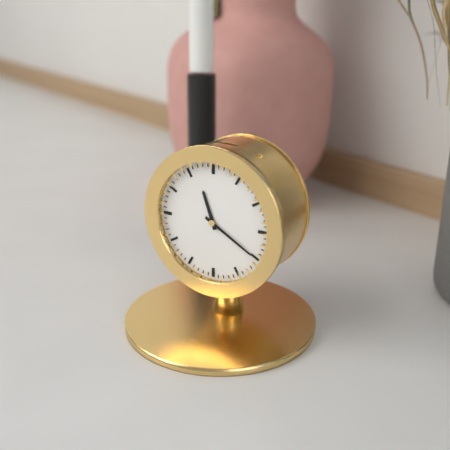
11,20
